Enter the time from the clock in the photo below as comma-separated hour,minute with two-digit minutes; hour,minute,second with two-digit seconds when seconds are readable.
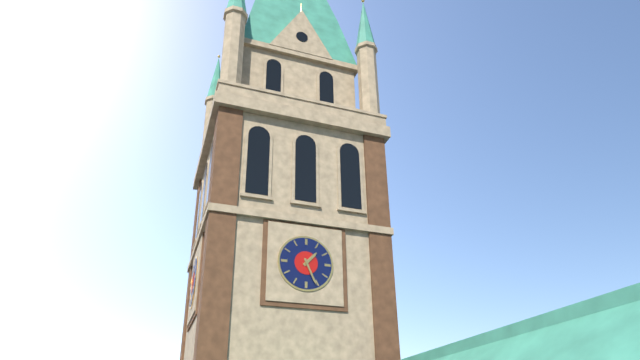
1,26
